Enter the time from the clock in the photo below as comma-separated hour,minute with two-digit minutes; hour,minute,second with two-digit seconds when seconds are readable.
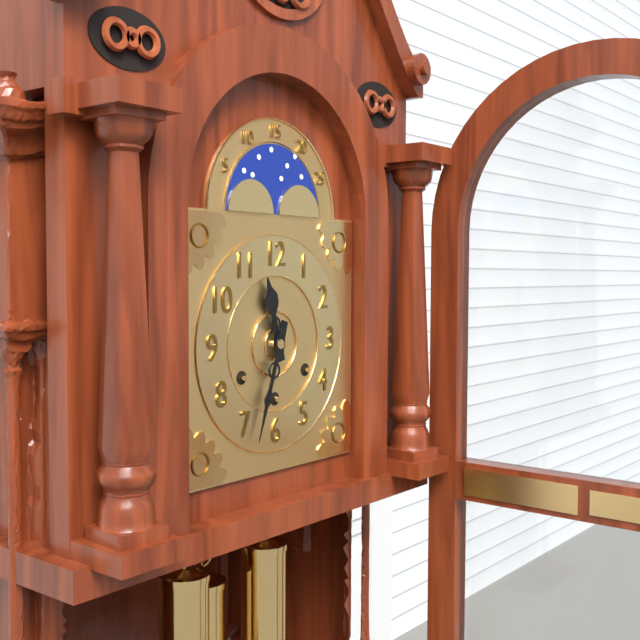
11,33
